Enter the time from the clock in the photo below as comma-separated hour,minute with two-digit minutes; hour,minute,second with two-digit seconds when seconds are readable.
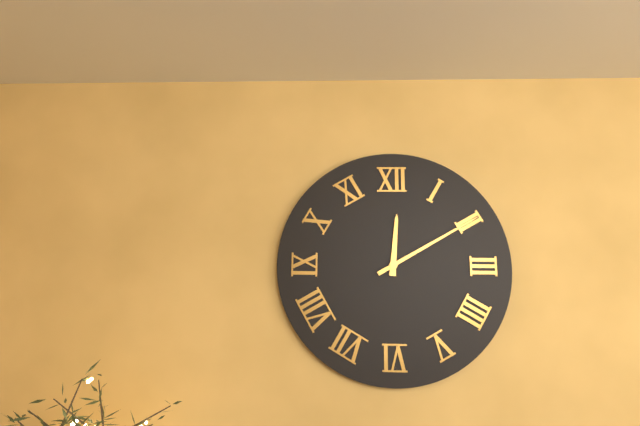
12,10
